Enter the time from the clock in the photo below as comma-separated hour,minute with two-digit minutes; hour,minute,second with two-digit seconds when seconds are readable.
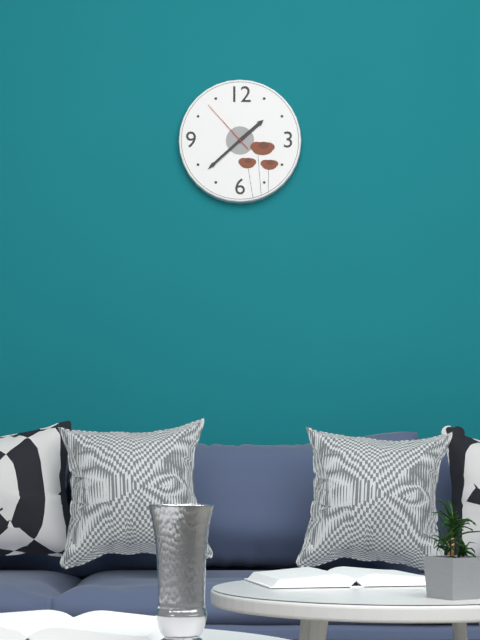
1,38,53
